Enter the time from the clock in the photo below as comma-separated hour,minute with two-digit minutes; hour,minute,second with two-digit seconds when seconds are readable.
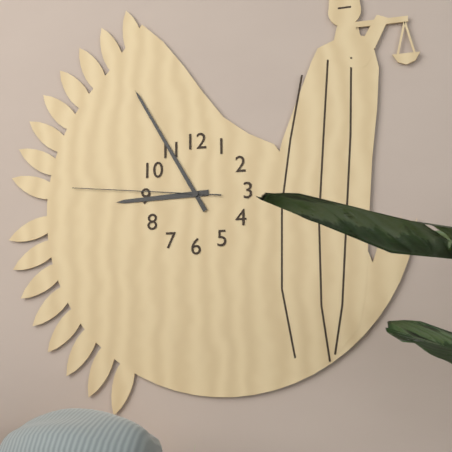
8,55,46
